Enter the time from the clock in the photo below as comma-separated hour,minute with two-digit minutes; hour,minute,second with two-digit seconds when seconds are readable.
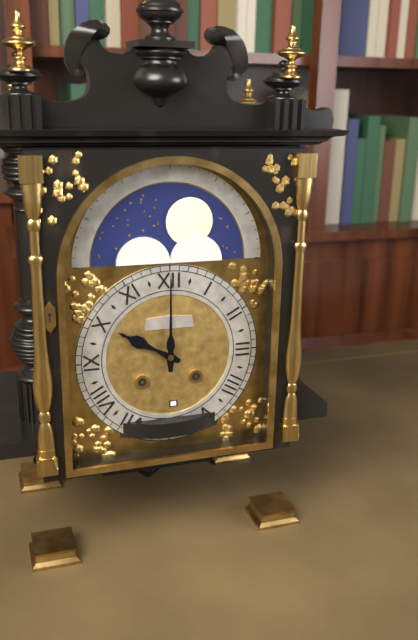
10,00
